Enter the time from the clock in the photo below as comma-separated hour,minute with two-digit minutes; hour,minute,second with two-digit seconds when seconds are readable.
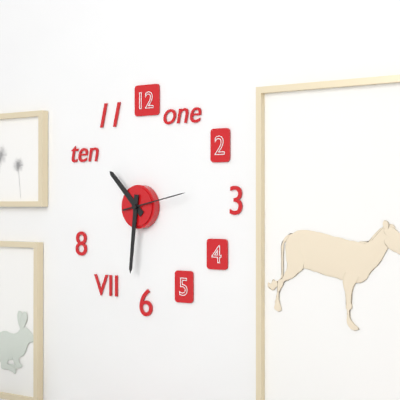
10,31,13
